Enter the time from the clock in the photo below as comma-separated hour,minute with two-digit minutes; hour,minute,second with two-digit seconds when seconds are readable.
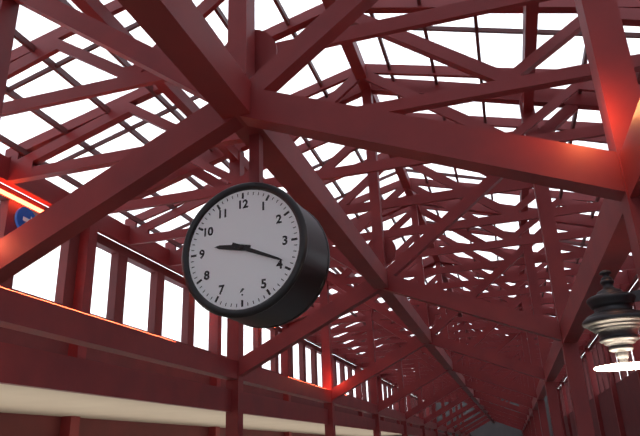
9,19
